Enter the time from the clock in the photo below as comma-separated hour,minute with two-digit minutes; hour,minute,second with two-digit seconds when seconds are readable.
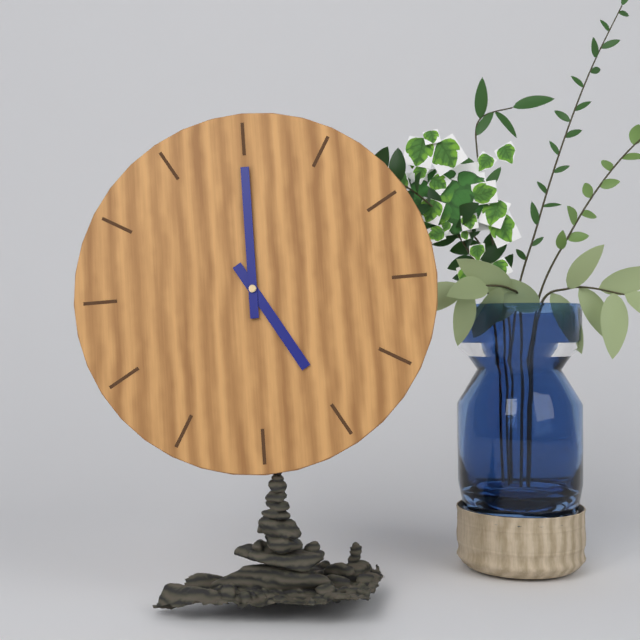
5,00
